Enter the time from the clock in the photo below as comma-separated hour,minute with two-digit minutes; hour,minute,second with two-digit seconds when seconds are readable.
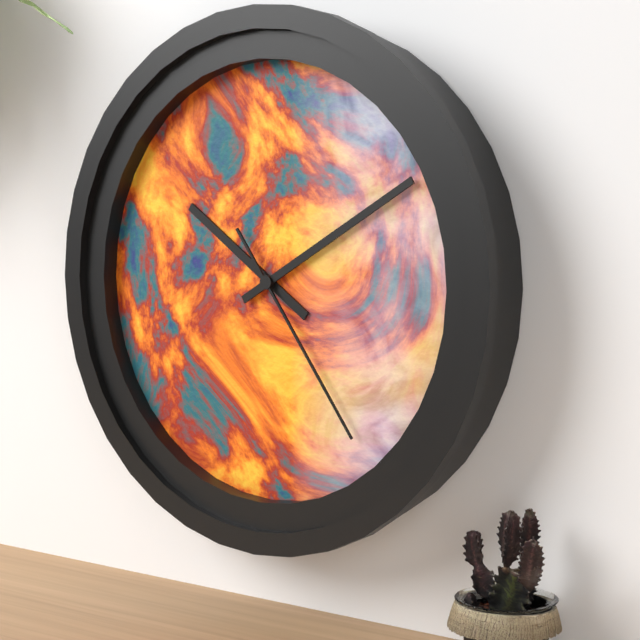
10,10,24
